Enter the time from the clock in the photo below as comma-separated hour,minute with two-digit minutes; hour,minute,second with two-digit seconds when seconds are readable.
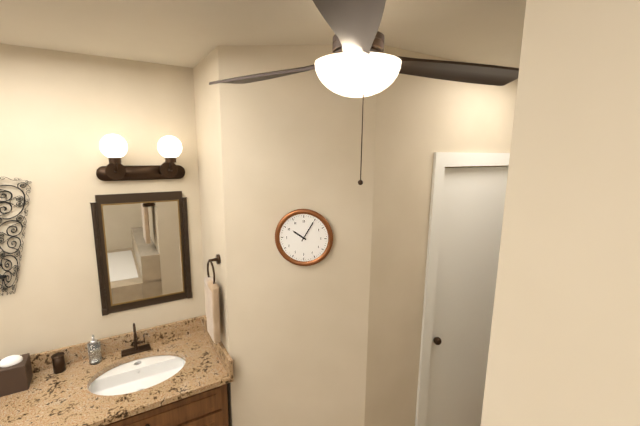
10,05
